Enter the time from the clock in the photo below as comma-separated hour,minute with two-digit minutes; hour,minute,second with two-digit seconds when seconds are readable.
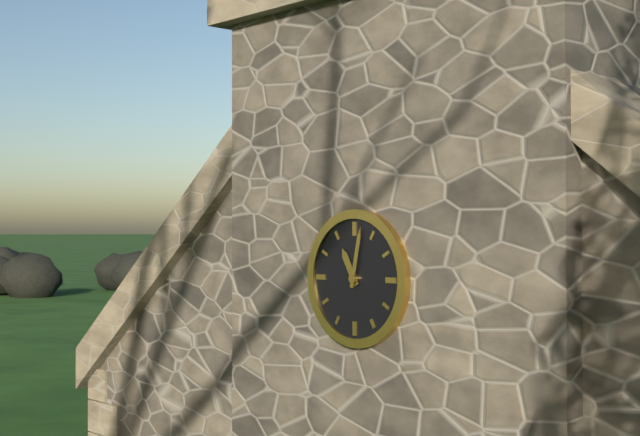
11,02
